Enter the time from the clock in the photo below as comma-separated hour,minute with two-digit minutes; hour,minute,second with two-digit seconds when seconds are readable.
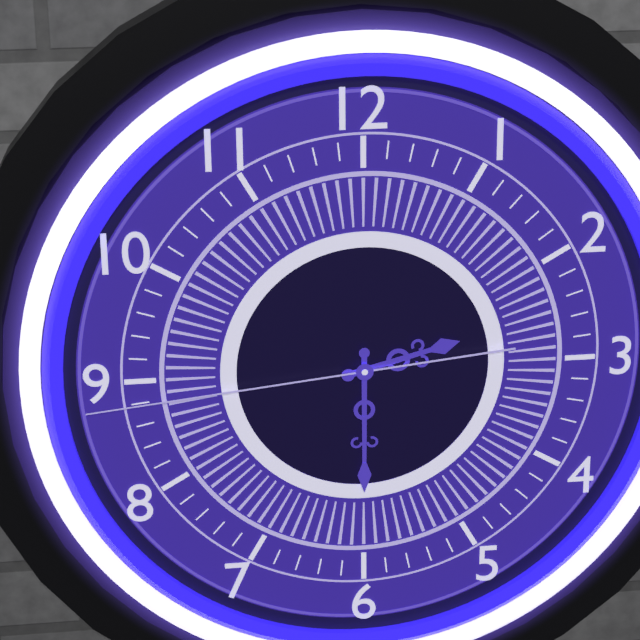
2,30,44
